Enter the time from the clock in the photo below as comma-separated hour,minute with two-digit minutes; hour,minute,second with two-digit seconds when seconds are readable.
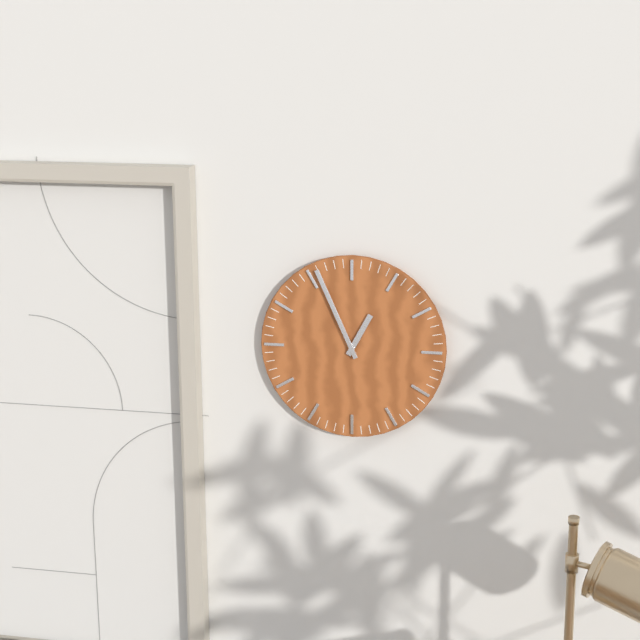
12,56
